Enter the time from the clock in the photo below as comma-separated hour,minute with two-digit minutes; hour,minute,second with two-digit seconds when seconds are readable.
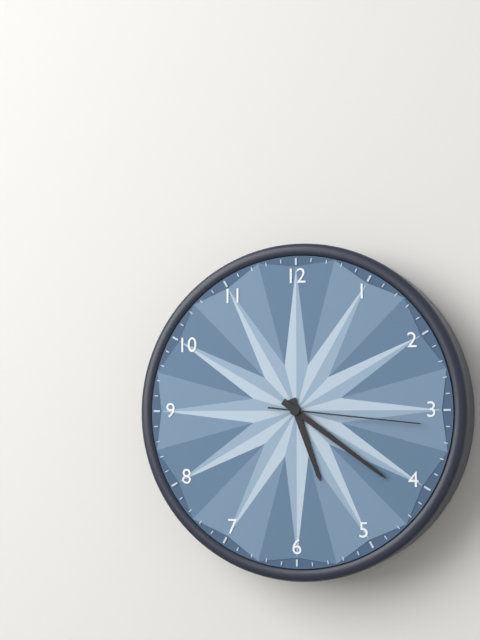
5,21,16
